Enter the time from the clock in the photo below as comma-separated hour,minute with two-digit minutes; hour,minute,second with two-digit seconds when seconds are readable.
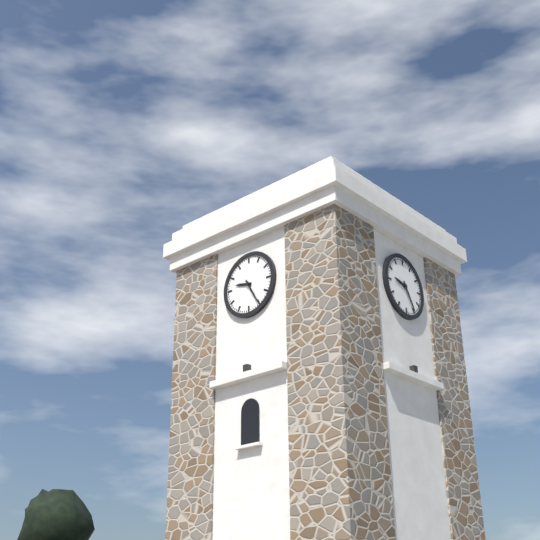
9,25
